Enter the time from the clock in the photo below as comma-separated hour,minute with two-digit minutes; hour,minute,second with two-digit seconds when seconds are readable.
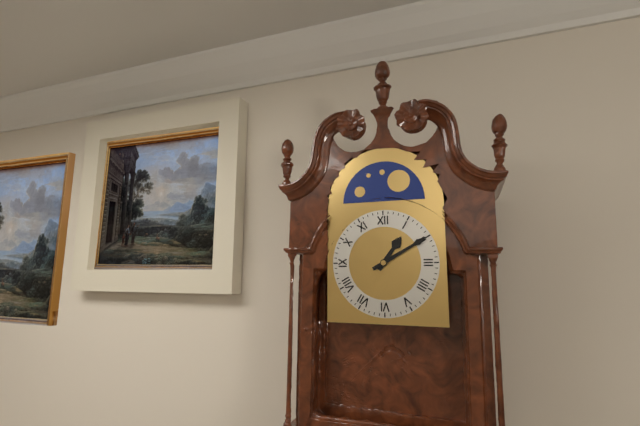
1,10
